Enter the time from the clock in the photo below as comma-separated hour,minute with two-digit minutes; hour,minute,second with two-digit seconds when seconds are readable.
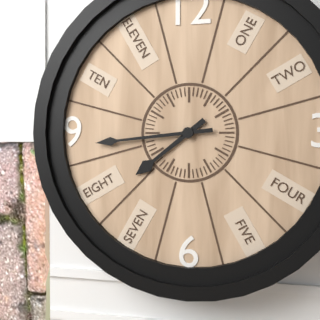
7,44
